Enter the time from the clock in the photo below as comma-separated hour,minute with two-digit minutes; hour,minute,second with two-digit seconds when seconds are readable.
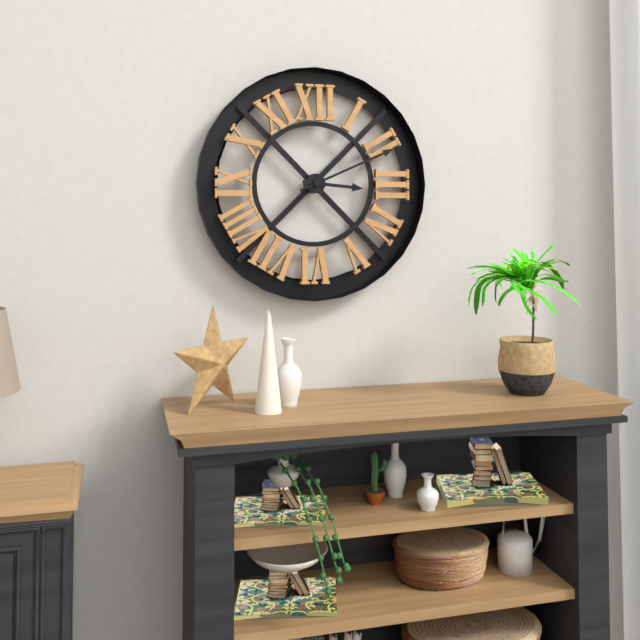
3,11
